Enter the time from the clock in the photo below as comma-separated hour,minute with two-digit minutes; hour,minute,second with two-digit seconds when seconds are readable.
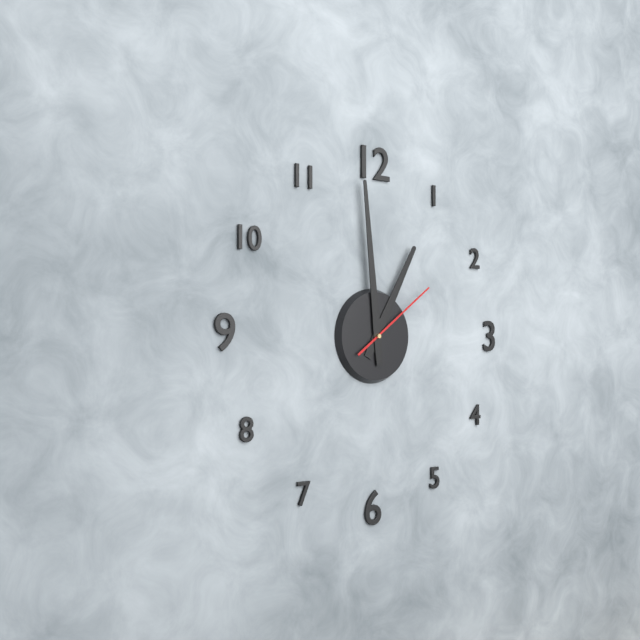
12,59,09
